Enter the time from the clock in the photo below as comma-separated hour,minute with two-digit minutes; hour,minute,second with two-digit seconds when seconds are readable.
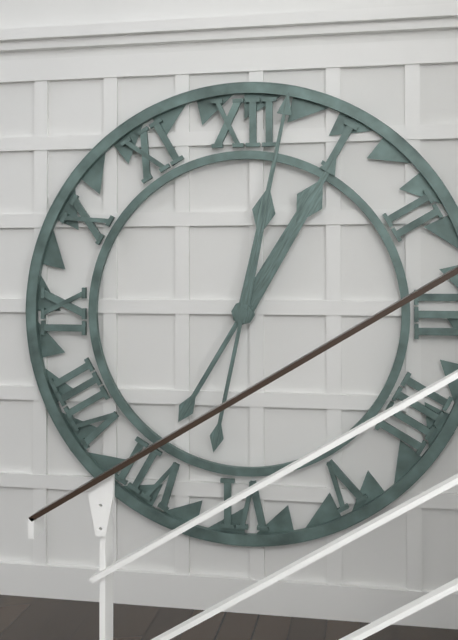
1,02
